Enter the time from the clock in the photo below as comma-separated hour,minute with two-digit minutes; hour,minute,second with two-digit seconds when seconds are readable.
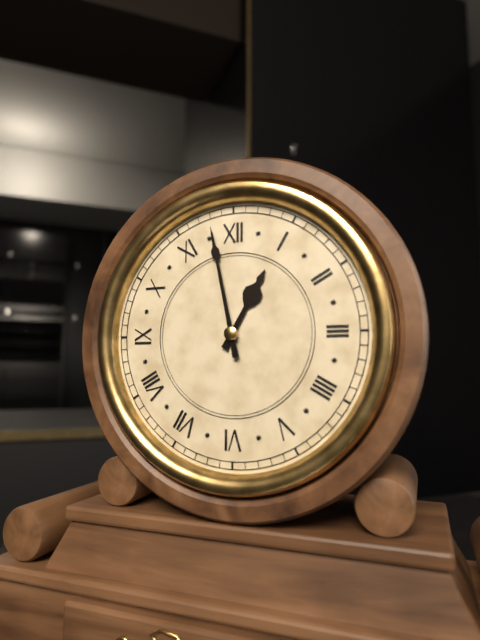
12,58
